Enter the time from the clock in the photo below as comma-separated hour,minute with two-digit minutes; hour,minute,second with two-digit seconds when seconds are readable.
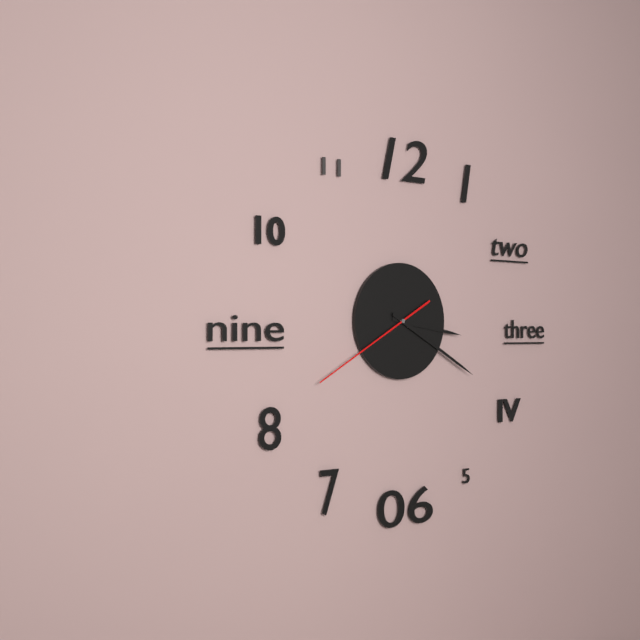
3,20,40
